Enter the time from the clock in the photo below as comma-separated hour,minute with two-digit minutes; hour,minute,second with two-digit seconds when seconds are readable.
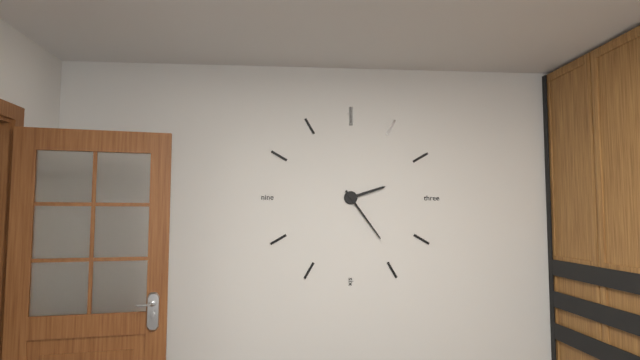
2,24
